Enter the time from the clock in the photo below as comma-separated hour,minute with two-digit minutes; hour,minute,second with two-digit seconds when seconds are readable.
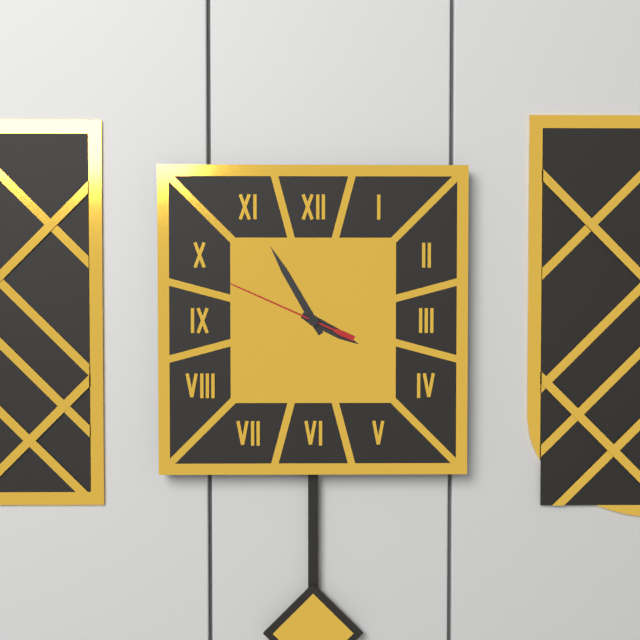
3,55,49
